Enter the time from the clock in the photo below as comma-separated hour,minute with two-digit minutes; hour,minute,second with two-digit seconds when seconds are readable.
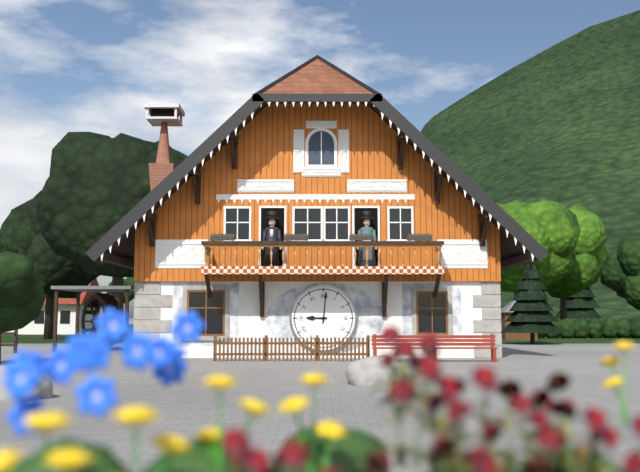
9,01
